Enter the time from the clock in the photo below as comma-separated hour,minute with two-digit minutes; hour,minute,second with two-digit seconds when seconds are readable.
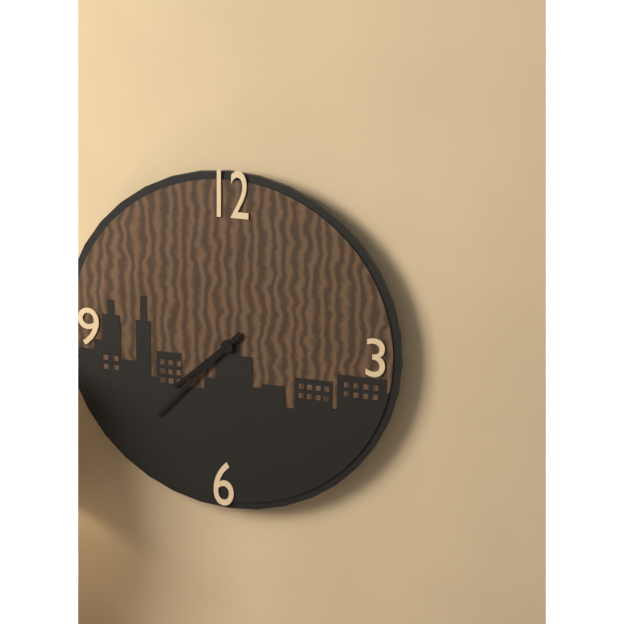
7,37
